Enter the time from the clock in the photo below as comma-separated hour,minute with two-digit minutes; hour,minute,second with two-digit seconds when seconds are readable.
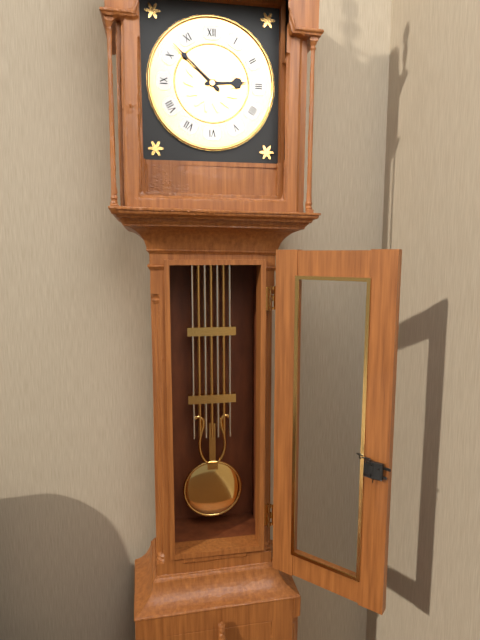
2,52
